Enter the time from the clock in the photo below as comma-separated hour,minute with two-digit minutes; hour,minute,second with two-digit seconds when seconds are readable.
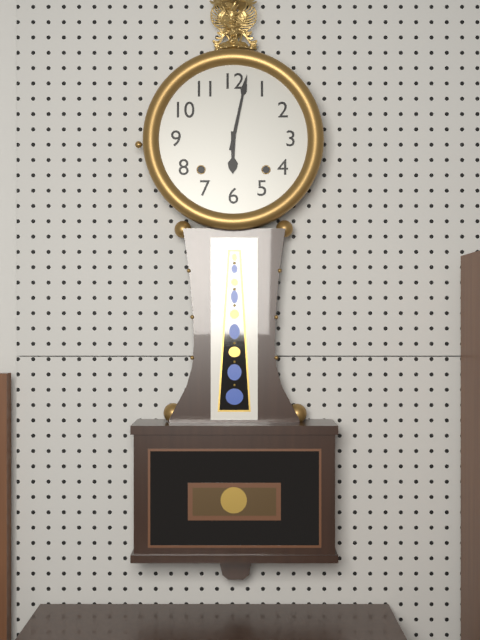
6,02
